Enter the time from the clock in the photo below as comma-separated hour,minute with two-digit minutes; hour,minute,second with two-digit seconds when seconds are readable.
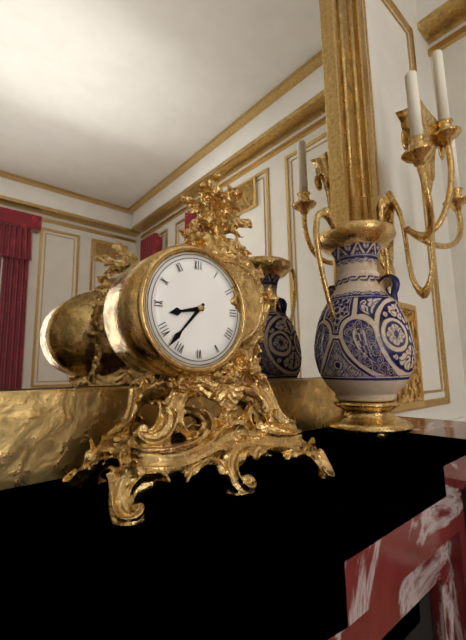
8,37
